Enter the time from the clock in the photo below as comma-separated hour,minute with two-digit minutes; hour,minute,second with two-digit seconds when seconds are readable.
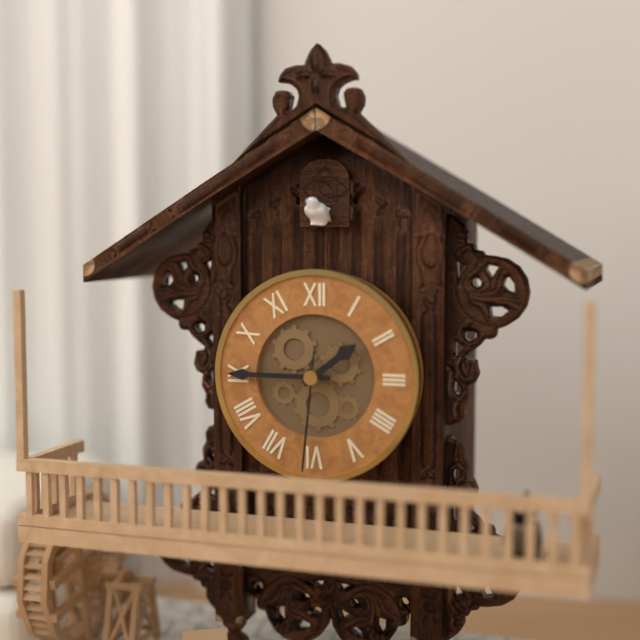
1,45,31
